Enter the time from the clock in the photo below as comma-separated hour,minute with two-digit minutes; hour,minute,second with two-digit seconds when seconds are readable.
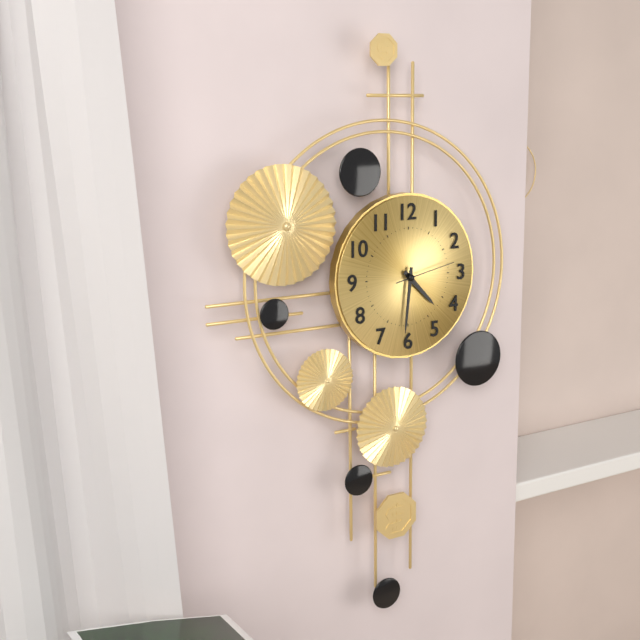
4,31,13
